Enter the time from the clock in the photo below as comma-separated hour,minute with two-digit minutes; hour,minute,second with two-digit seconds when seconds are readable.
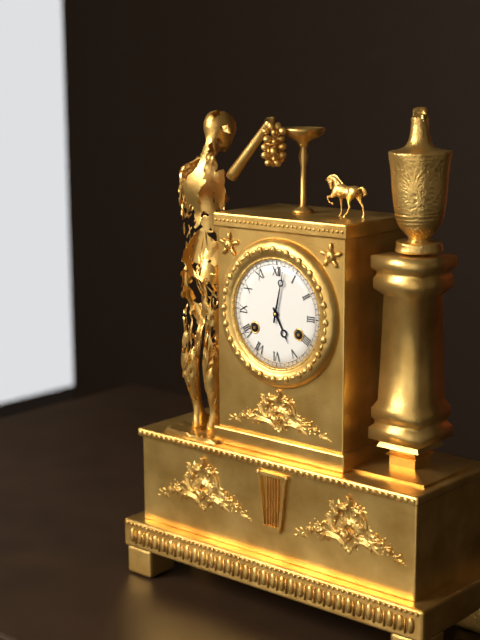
5,02
